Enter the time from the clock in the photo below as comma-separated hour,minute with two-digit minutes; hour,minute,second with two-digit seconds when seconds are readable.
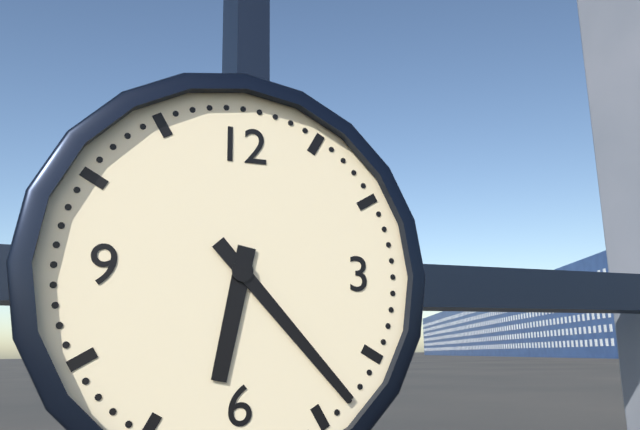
6,23
